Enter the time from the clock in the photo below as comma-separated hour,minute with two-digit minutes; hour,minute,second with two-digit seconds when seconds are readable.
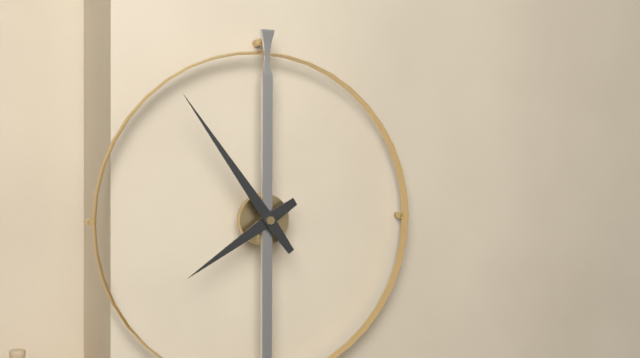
7,54
